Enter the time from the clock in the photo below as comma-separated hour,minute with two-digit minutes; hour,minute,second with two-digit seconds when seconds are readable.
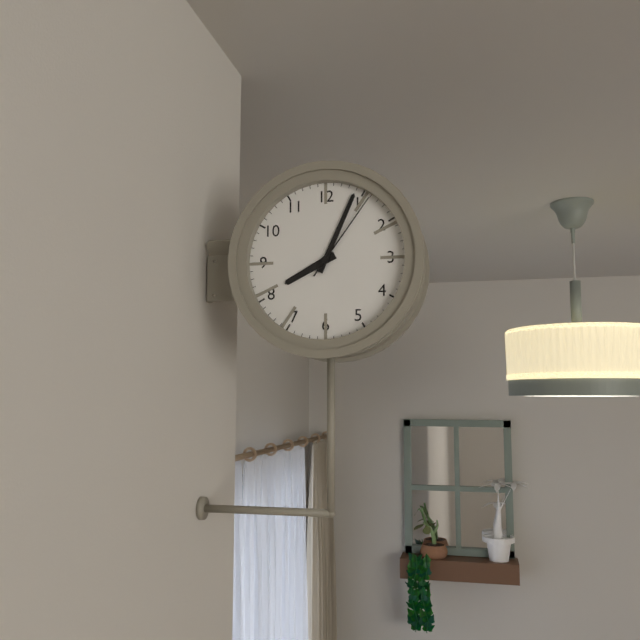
8,04,06
